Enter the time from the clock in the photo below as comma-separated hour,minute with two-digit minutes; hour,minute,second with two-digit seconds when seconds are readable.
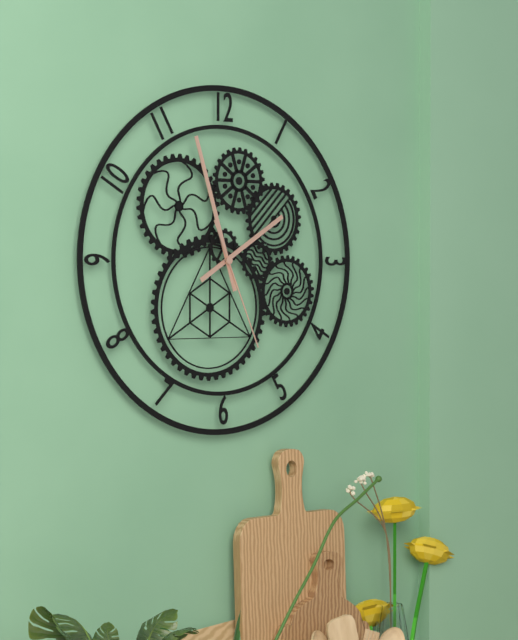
1,57,26
